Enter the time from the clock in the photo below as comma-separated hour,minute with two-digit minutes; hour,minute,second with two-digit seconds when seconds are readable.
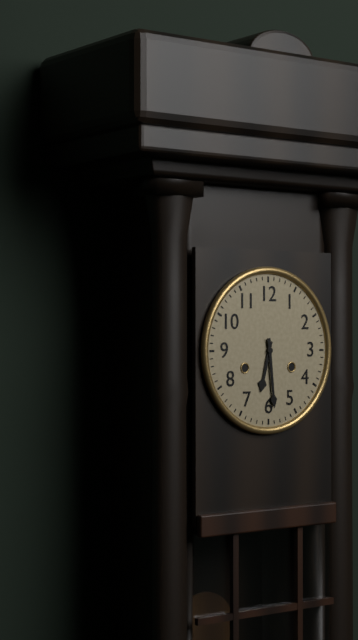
6,29
